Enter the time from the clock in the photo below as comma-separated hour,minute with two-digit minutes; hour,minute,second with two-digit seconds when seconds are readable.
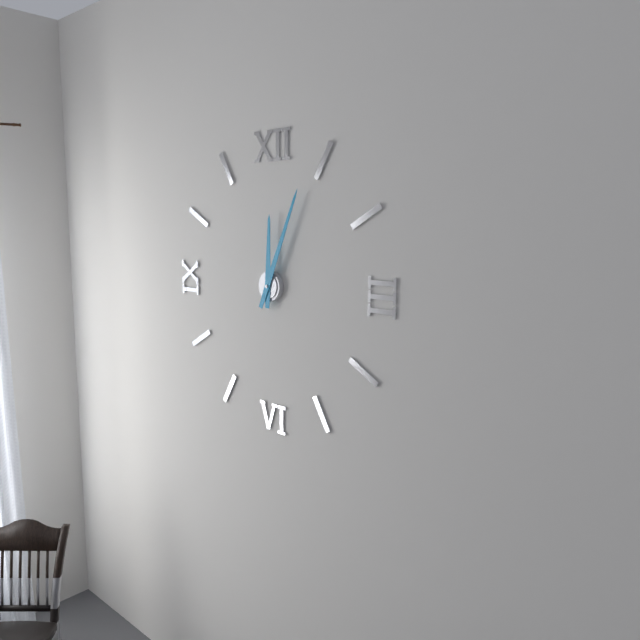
12,04
